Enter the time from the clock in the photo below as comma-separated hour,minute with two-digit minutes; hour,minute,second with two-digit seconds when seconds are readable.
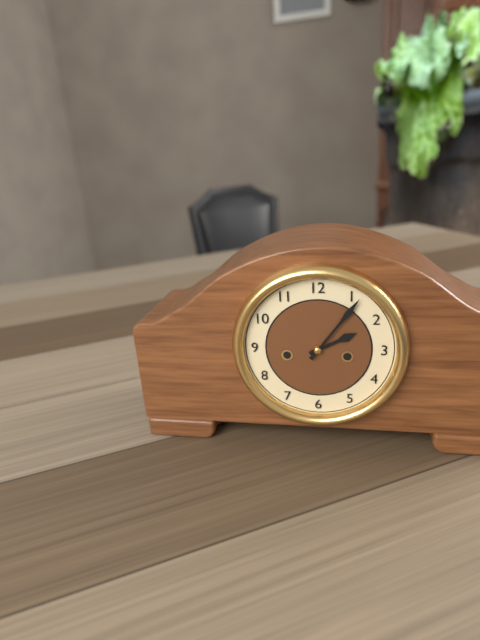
2,06
